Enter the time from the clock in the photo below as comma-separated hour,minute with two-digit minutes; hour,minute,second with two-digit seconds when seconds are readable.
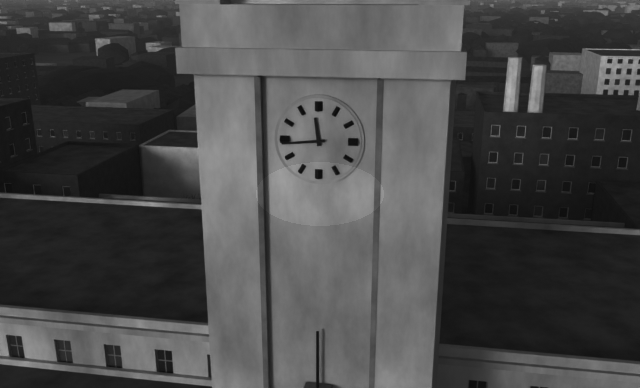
11,44
